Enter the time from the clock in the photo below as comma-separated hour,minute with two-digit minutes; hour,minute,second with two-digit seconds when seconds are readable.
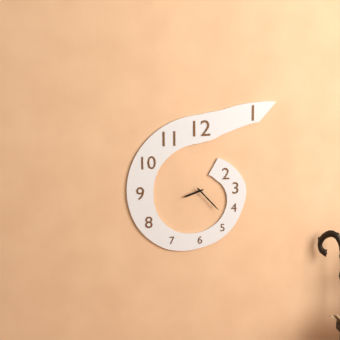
8,23
